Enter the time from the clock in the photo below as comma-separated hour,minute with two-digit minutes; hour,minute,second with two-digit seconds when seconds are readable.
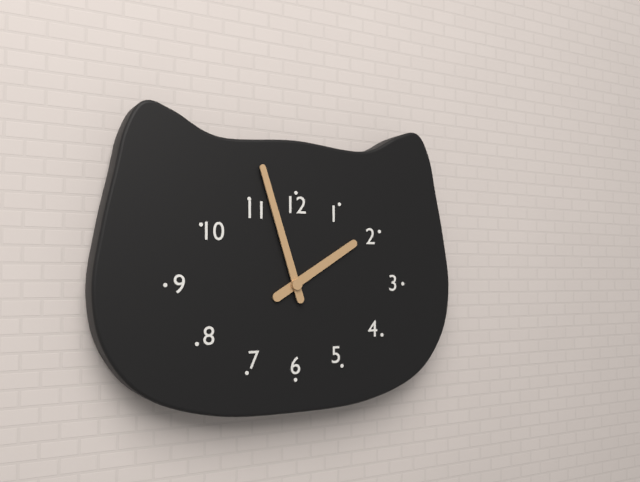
1,57
